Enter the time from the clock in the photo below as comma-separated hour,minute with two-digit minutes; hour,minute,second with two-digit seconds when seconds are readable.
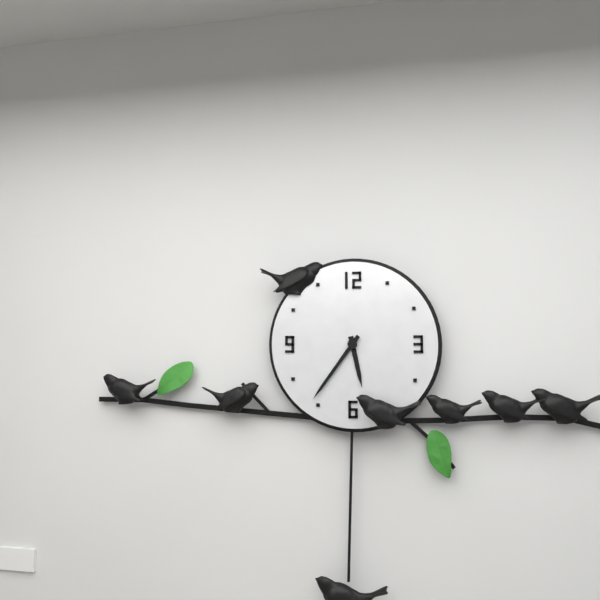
5,36
